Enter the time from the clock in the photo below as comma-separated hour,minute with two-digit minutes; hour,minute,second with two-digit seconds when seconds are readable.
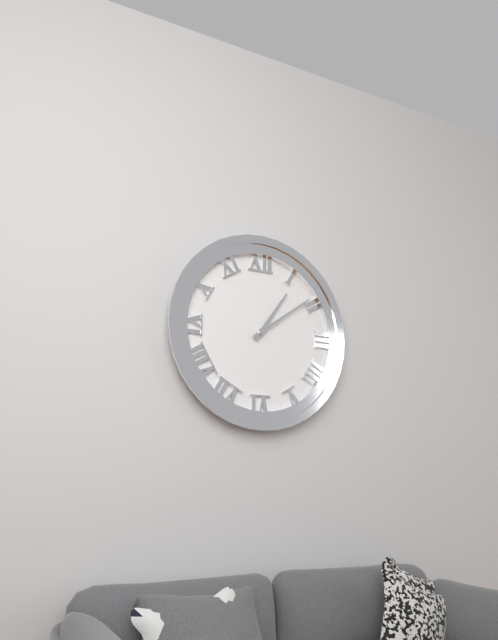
1,09
